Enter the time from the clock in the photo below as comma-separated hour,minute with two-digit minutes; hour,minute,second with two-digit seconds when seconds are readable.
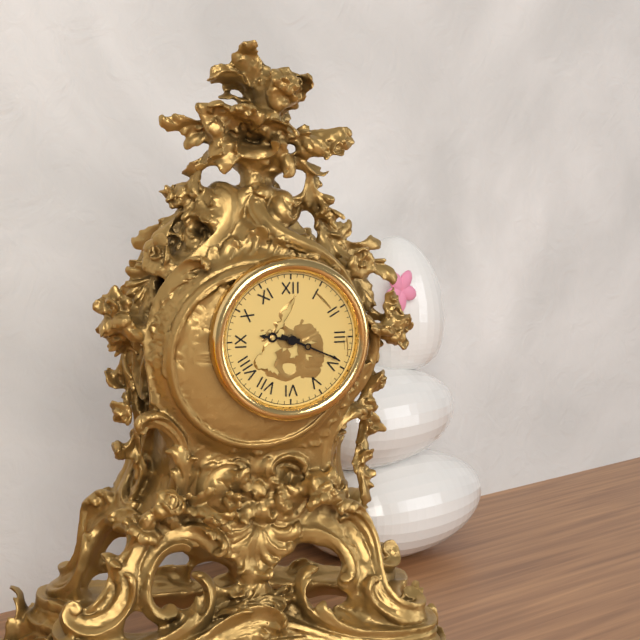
9,19
